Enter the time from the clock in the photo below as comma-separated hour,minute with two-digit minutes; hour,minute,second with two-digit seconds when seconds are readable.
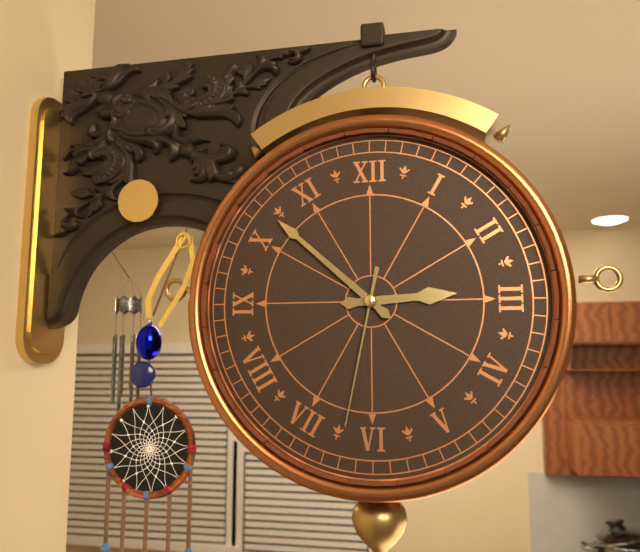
2,52,32
